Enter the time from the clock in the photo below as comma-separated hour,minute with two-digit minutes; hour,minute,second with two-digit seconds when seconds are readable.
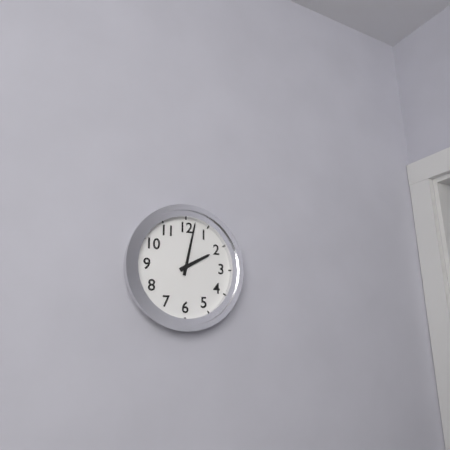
2,02
